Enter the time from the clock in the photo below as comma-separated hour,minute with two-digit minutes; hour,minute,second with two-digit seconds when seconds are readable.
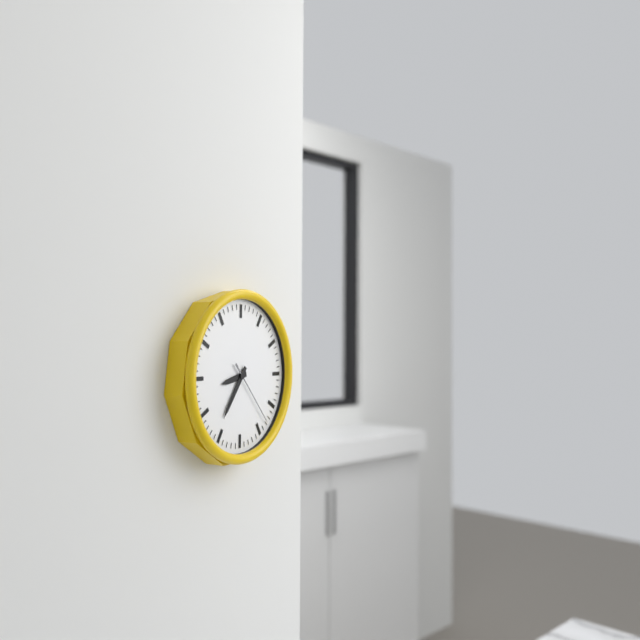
8,36,23
